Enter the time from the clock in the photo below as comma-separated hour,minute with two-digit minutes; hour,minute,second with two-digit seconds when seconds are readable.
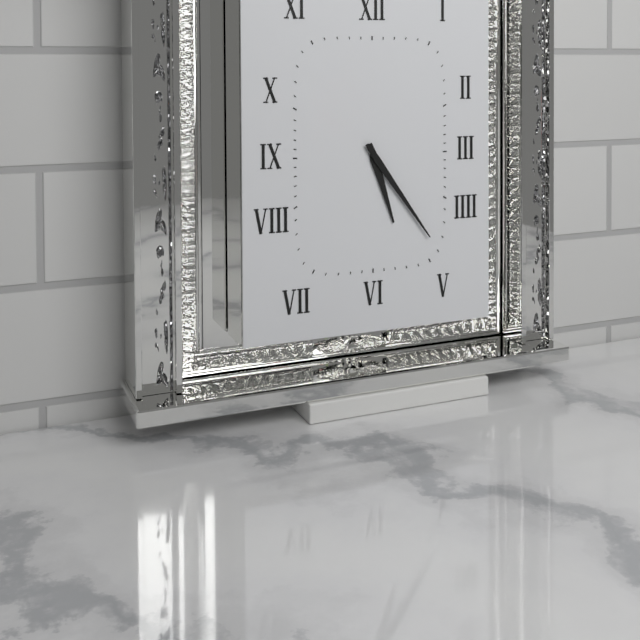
5,24
